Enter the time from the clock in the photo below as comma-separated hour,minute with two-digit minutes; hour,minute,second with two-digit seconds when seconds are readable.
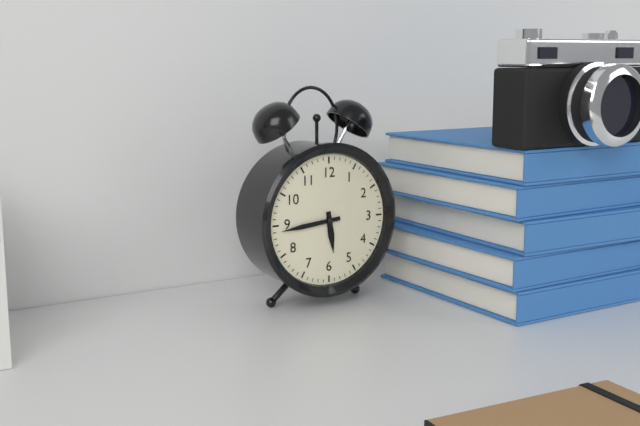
5,44
